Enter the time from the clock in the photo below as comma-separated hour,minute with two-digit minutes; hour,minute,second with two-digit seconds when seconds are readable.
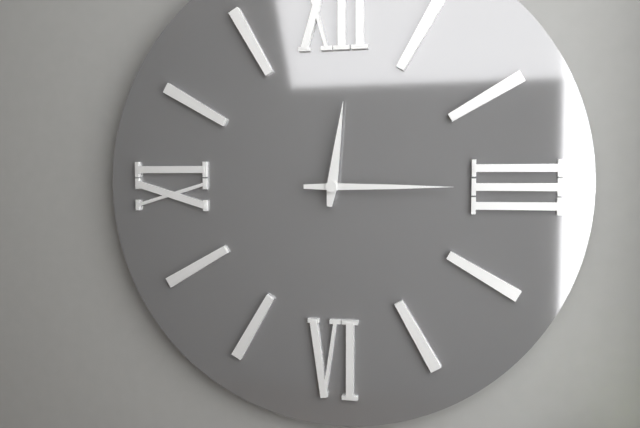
12,15
